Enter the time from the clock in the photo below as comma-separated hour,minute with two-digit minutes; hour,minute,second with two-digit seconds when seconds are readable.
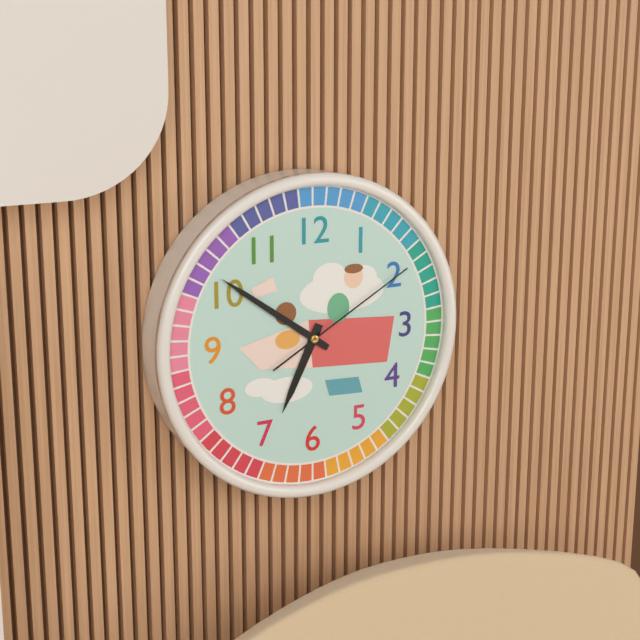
6,51,10
